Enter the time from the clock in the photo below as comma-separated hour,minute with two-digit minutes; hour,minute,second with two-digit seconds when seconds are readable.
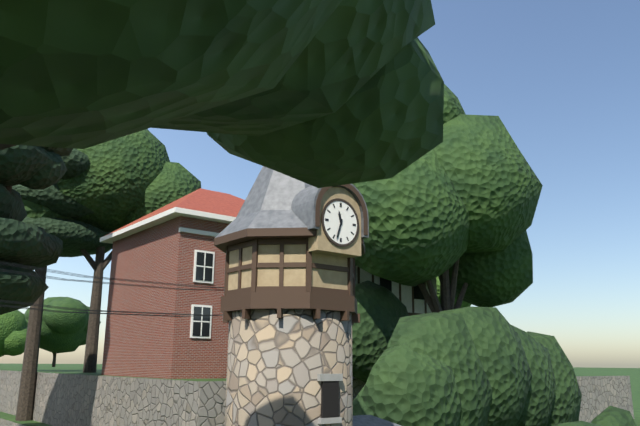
11,33
